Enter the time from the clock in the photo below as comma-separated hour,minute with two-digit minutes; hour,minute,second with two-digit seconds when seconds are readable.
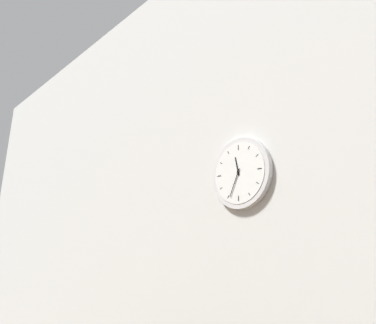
11,34
